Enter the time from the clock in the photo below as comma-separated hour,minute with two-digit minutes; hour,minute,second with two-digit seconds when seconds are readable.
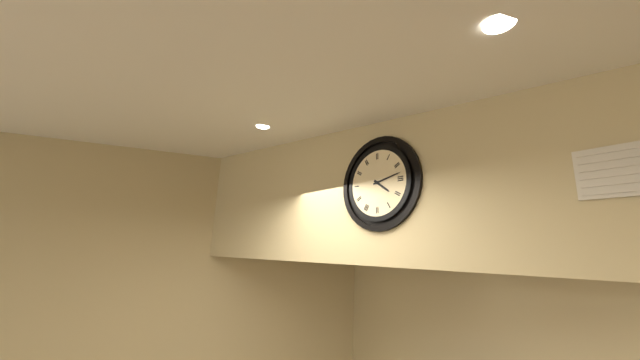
4,13
